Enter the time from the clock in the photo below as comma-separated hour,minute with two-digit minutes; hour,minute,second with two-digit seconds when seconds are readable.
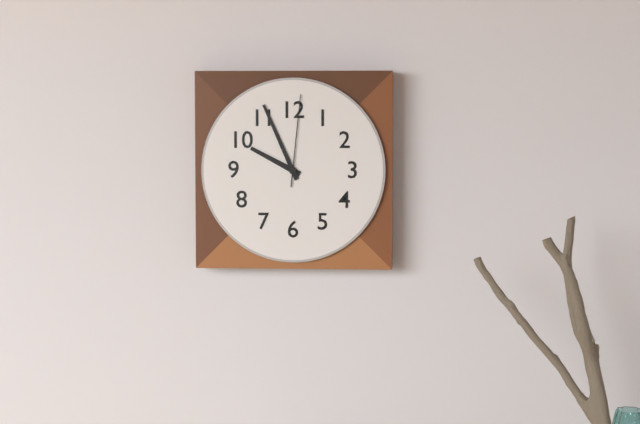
9,56,01
